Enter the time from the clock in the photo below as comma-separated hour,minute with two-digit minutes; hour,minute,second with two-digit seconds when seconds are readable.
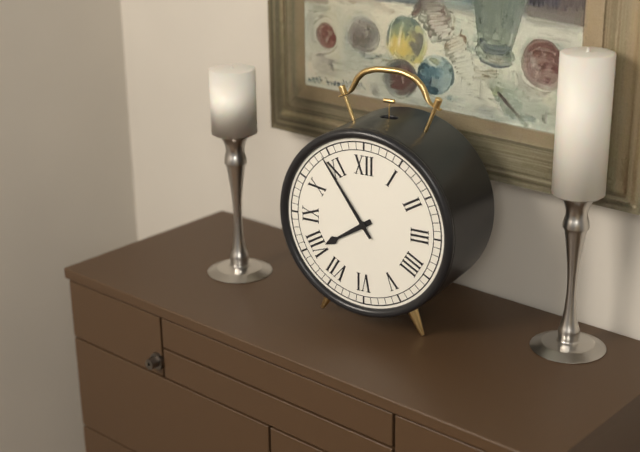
7,54
